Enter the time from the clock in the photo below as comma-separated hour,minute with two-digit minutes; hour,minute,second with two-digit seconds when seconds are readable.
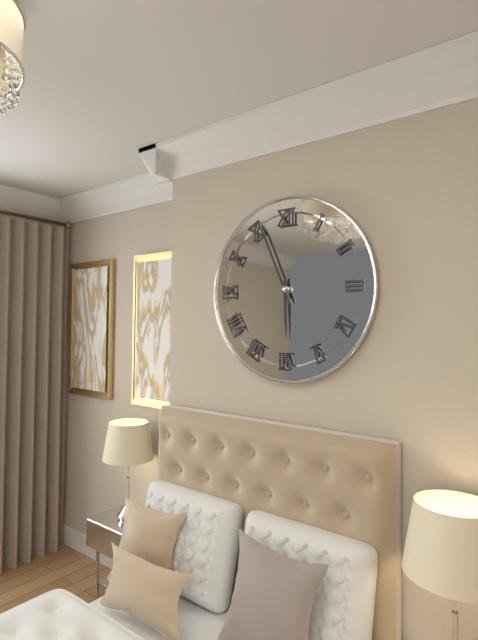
5,56
